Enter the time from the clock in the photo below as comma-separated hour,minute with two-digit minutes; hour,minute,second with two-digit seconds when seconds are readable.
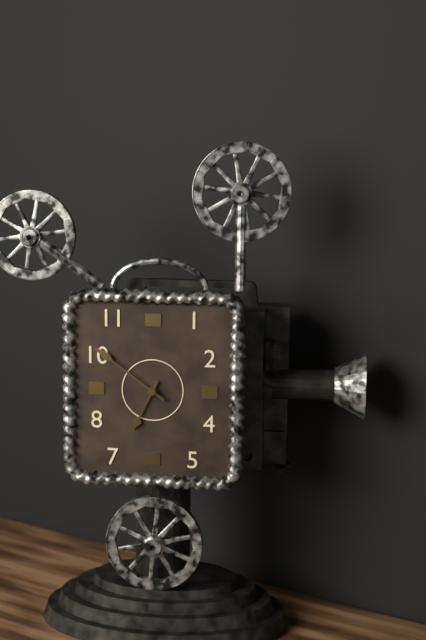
6,51
